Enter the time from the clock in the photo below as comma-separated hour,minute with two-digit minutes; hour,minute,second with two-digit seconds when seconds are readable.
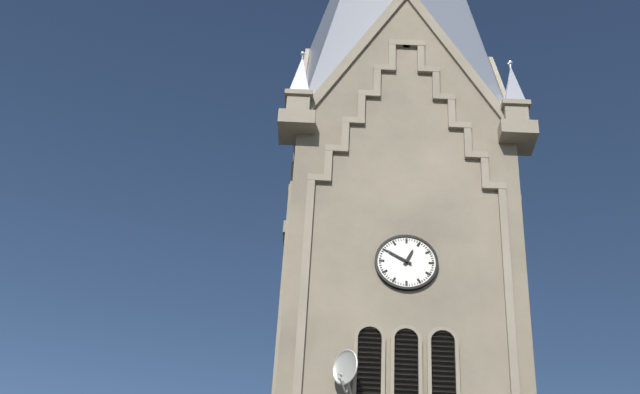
12,50
